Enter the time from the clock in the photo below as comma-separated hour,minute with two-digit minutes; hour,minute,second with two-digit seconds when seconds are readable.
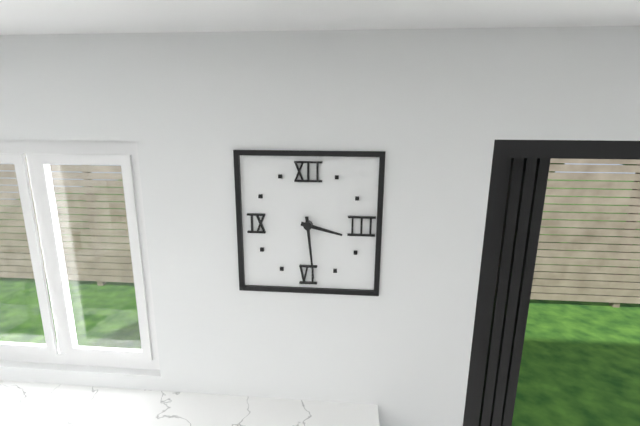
3,29
